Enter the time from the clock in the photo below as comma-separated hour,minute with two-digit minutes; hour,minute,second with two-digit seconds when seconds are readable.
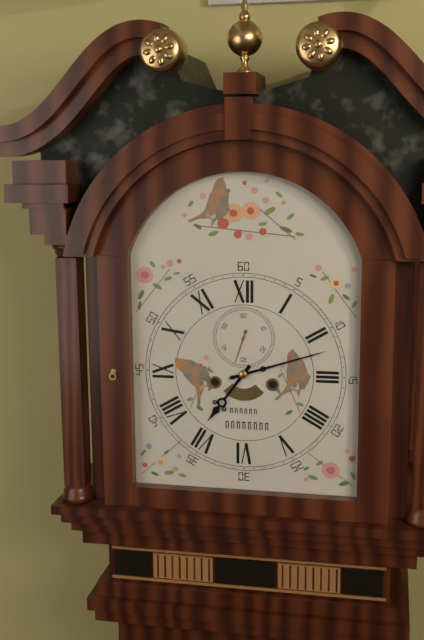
7,12
